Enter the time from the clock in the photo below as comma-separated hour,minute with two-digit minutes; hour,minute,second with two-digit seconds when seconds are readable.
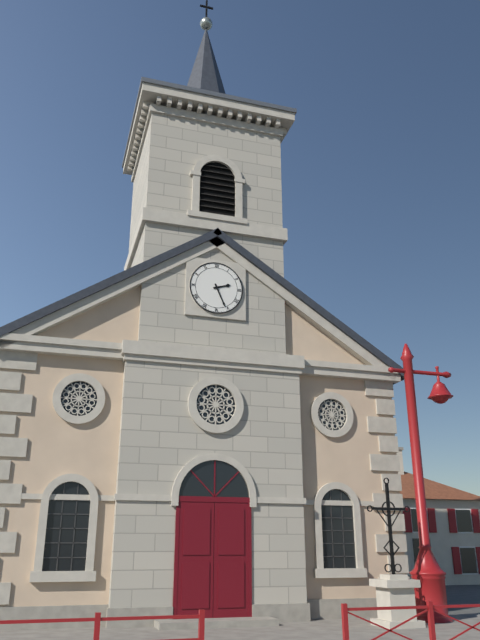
2,26
